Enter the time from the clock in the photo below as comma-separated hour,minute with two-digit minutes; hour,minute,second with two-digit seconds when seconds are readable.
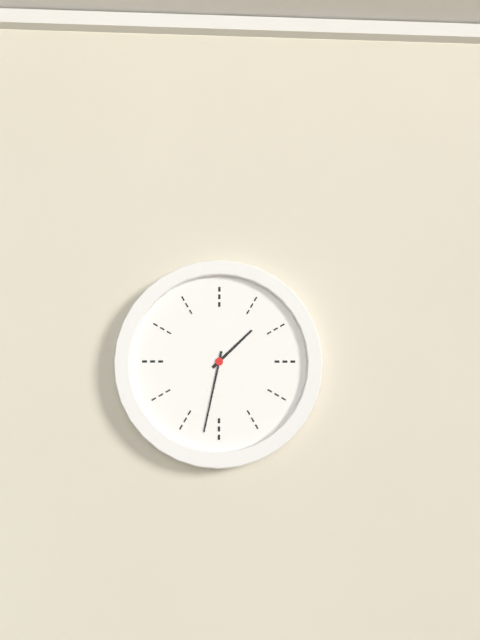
1,32
